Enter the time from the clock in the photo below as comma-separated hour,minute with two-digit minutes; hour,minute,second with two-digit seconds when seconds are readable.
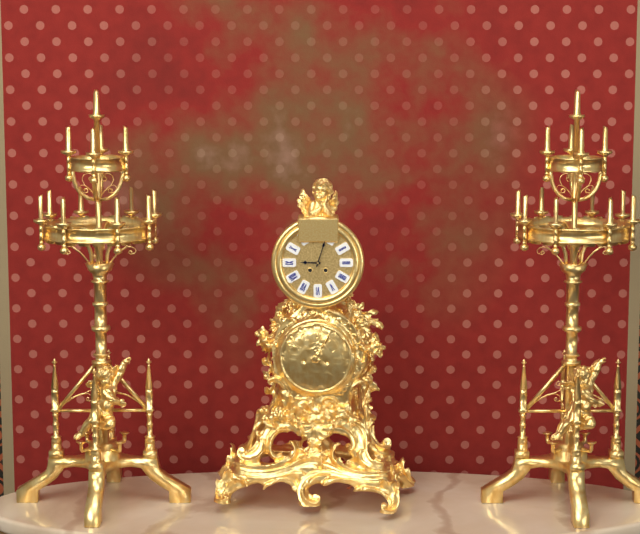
9,03
